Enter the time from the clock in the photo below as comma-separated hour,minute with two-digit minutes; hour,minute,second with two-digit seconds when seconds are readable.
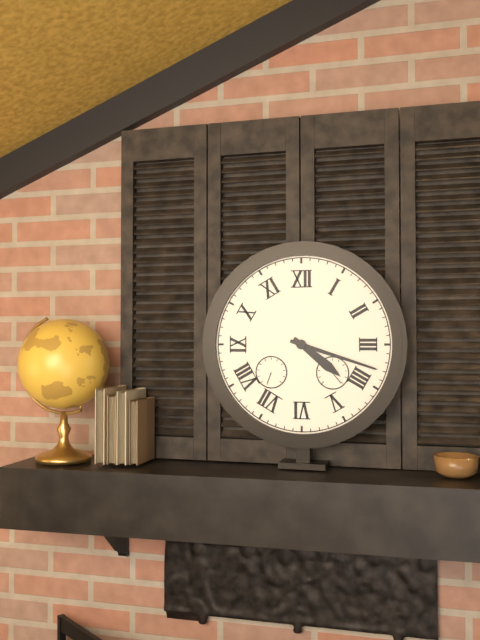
4,18
